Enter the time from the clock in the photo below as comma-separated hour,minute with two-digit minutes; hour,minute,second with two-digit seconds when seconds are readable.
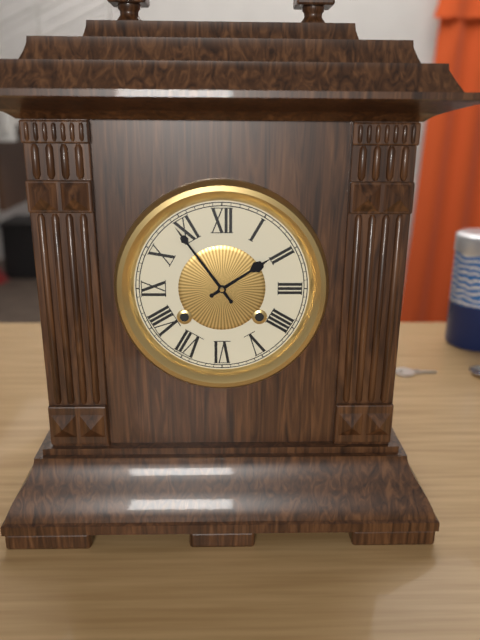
1,54
